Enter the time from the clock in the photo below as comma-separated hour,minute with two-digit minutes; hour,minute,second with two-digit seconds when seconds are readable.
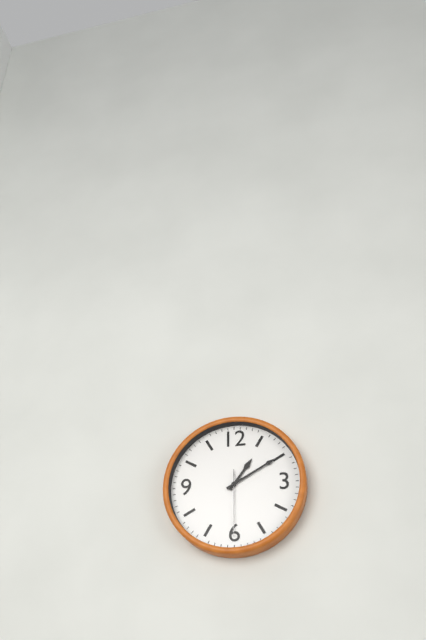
1,10,30
